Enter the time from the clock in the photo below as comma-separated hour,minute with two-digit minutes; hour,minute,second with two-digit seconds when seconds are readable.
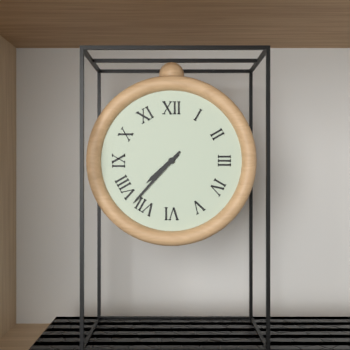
7,37
